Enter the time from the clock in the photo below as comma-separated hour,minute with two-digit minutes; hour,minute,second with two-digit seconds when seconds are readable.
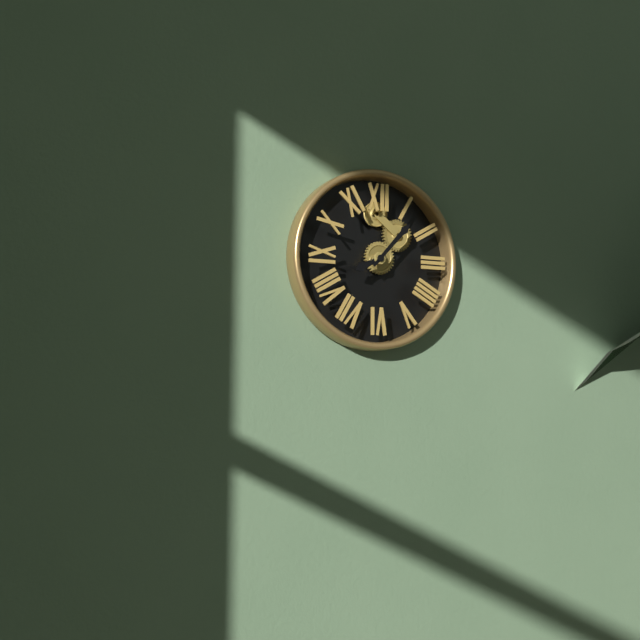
8,07
